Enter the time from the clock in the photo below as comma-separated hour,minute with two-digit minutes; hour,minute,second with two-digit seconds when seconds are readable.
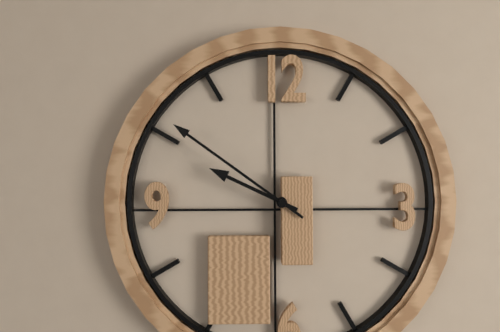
9,51
